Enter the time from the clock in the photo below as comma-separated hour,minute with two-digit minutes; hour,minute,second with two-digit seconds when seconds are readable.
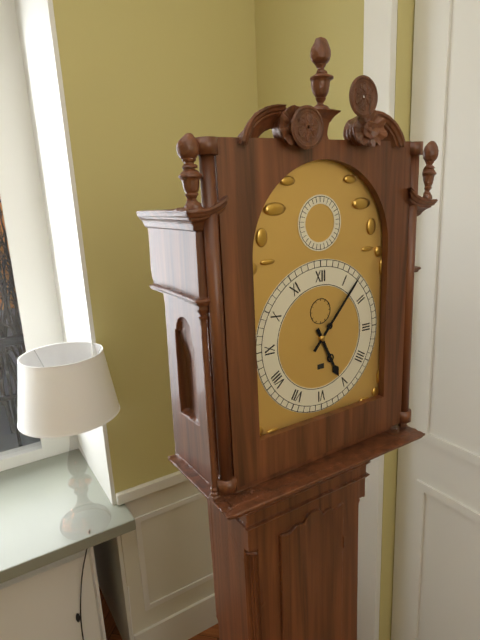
5,07
